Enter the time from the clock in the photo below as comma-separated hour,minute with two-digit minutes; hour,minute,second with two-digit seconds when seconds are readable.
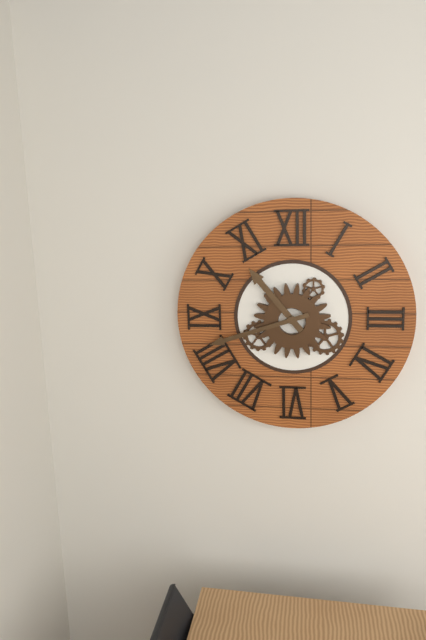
10,42
